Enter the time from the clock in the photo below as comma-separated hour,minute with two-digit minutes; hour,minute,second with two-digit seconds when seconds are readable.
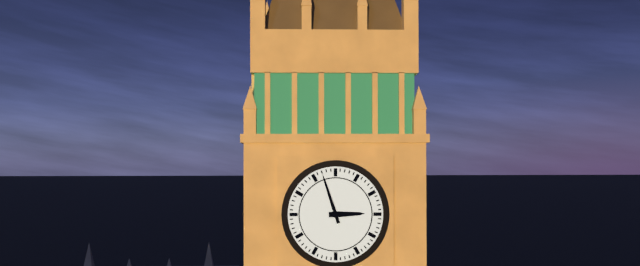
2,57
